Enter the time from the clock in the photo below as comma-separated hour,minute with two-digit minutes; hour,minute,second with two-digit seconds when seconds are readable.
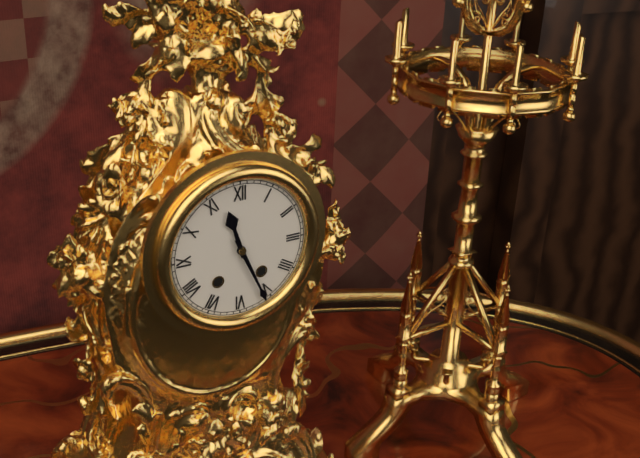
11,26
